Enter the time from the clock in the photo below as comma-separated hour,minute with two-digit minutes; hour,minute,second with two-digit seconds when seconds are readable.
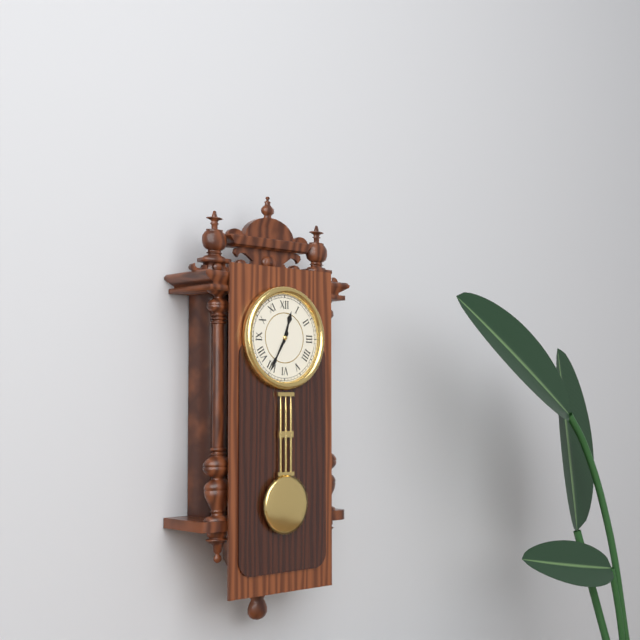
12,35
